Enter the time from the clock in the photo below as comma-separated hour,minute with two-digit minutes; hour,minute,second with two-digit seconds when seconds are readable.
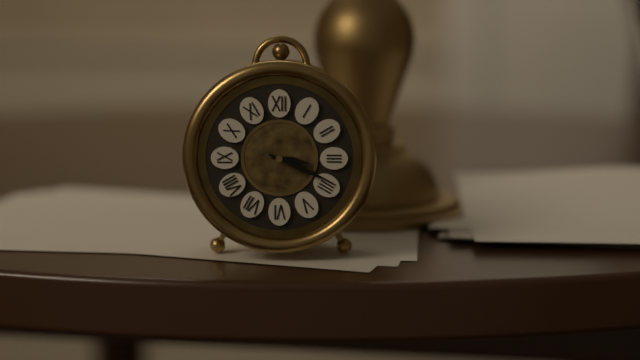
3,19
